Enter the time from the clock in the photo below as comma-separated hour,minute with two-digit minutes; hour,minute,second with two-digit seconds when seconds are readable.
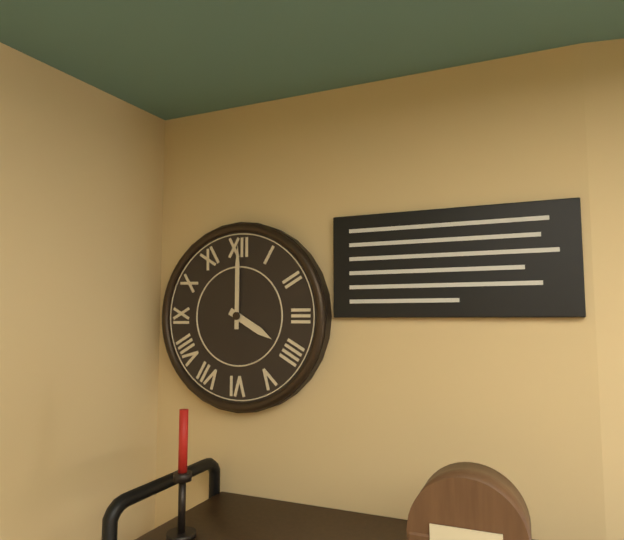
4,00
